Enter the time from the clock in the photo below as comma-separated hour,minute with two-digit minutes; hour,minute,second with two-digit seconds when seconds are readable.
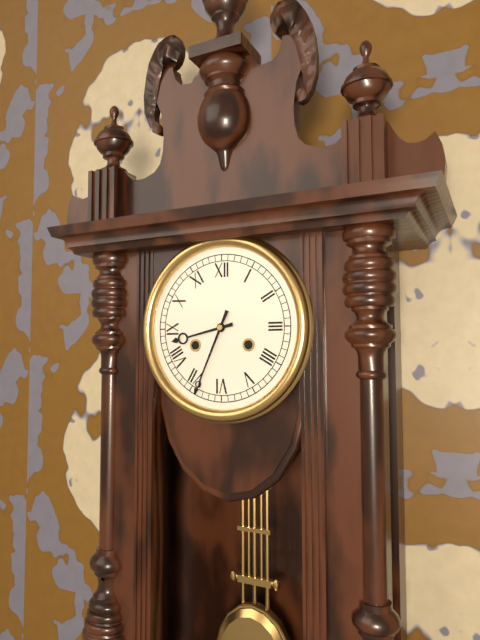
8,34
